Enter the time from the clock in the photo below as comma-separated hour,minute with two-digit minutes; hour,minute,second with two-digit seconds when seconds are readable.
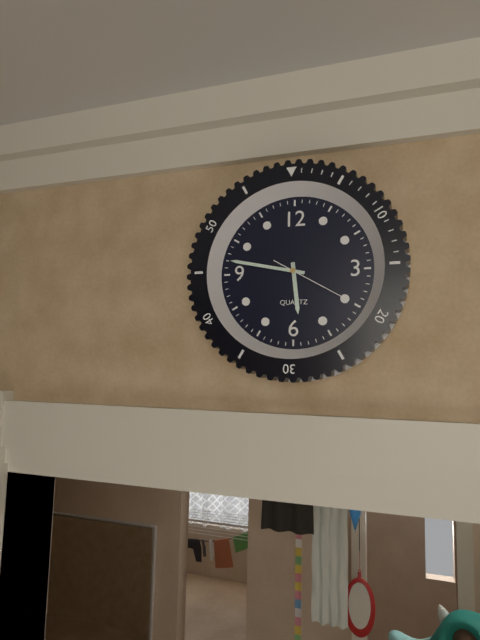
5,47,20
